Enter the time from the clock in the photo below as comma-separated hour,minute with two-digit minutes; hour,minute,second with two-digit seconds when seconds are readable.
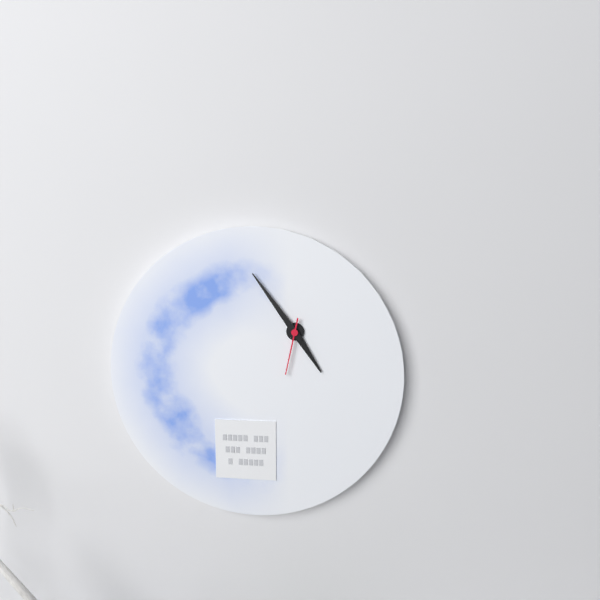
4,54,32
